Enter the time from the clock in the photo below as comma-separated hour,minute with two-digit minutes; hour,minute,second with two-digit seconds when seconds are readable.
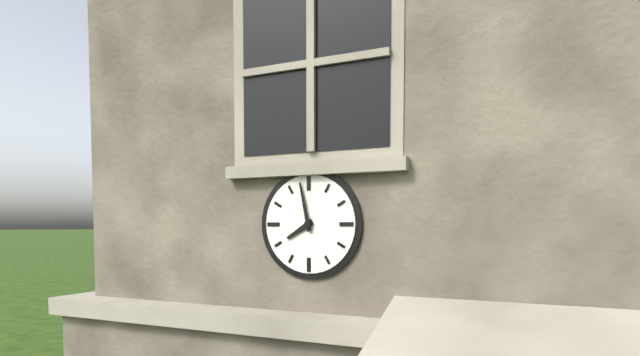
7,58
